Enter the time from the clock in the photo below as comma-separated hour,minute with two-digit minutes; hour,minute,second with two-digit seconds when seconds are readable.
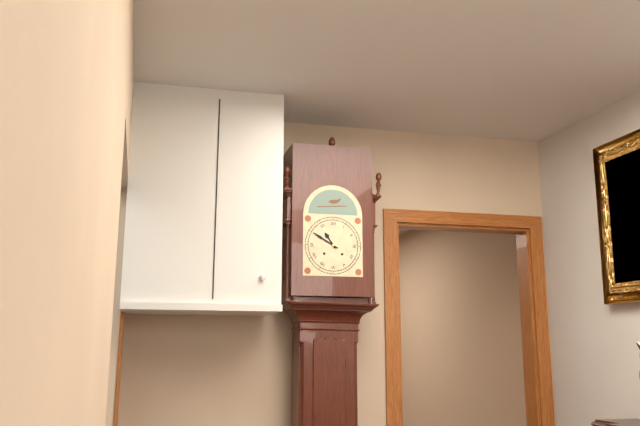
10,50
